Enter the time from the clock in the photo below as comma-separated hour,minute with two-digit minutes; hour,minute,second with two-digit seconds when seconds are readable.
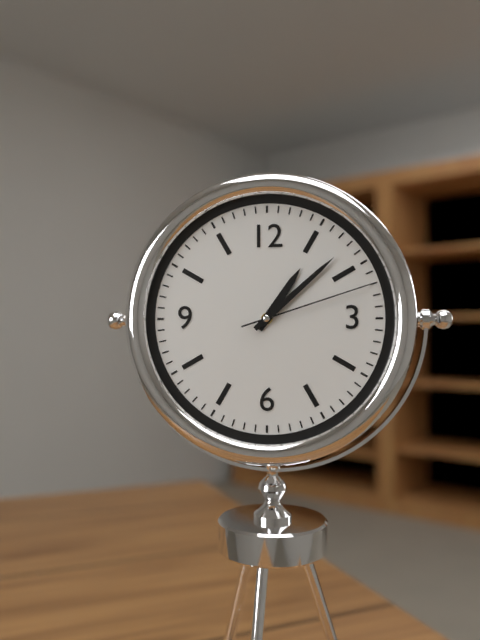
1,08,12
